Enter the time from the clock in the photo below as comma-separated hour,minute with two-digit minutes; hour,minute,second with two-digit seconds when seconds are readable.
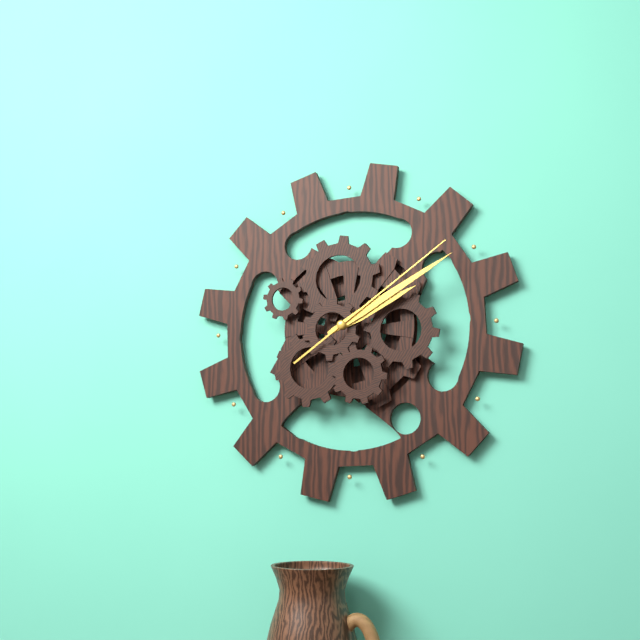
2,10,09
